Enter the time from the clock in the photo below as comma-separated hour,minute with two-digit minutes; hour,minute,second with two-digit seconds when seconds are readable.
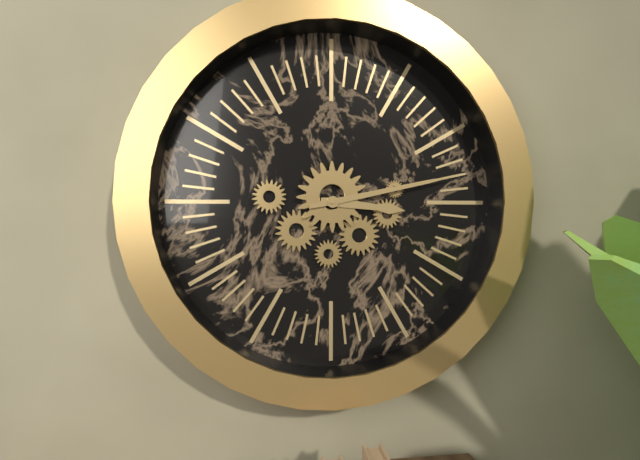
3,13
